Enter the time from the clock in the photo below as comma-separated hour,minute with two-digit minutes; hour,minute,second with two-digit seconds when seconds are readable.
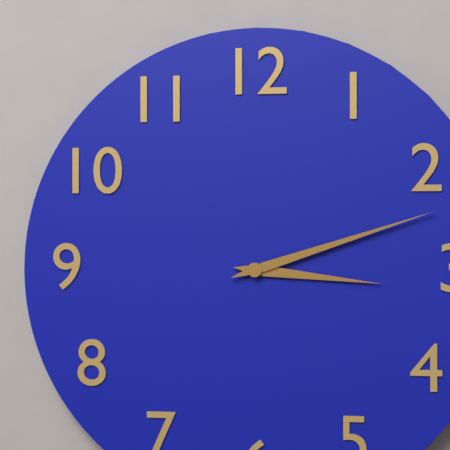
3,12
